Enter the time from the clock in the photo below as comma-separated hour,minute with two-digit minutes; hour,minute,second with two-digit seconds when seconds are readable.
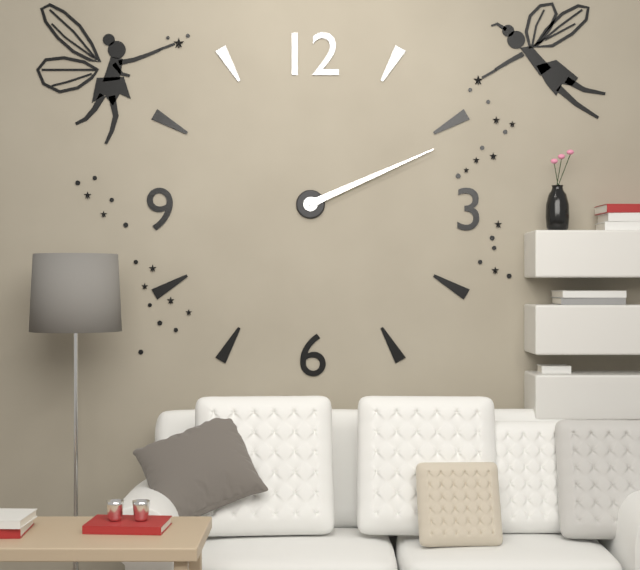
2,11
